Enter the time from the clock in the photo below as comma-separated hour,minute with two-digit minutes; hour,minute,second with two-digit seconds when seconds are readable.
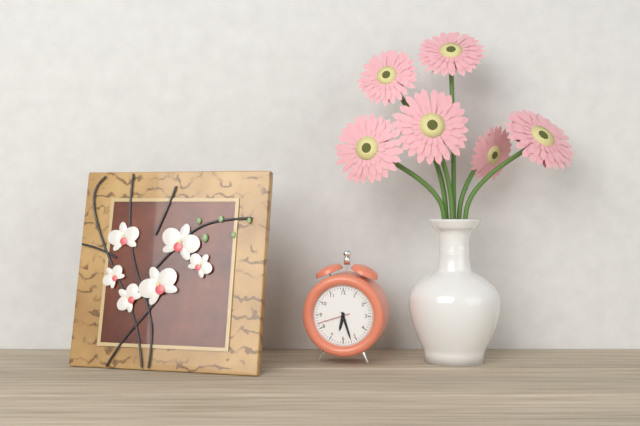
6,27
